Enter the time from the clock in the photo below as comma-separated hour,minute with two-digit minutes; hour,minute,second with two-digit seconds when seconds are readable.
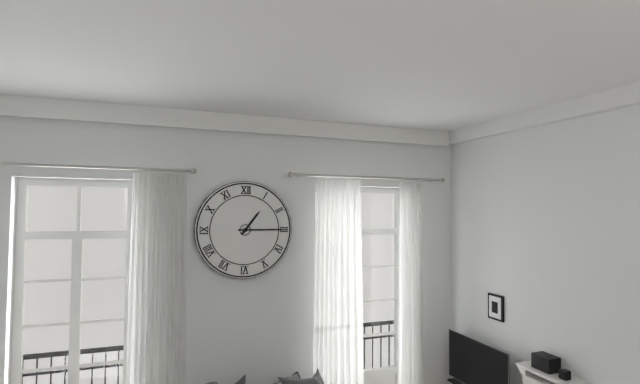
1,15
